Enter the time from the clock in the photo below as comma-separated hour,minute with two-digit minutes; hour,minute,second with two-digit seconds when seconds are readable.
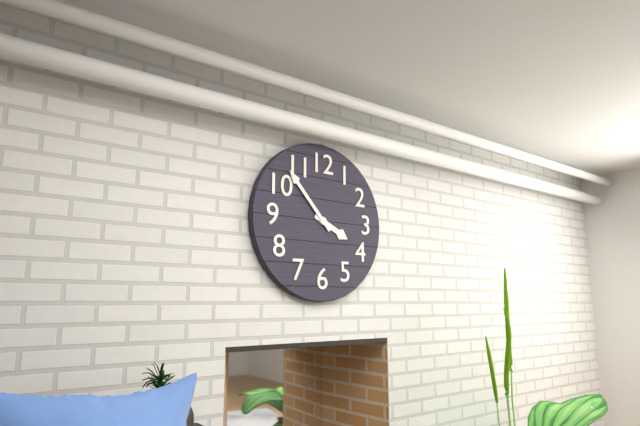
3,53
